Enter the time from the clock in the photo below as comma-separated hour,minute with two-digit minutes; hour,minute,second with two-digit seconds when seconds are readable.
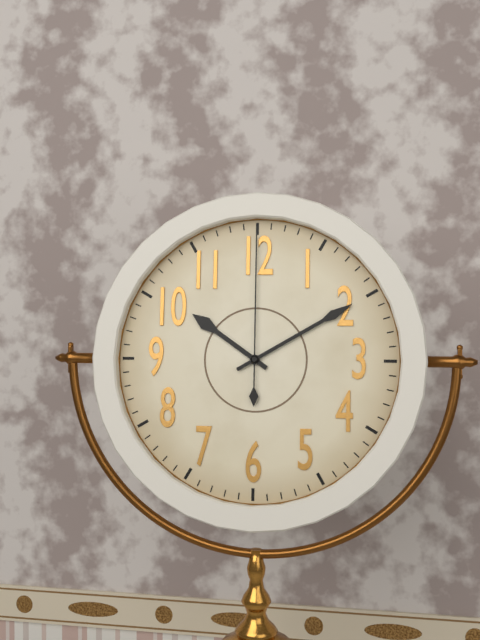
10,10,00
